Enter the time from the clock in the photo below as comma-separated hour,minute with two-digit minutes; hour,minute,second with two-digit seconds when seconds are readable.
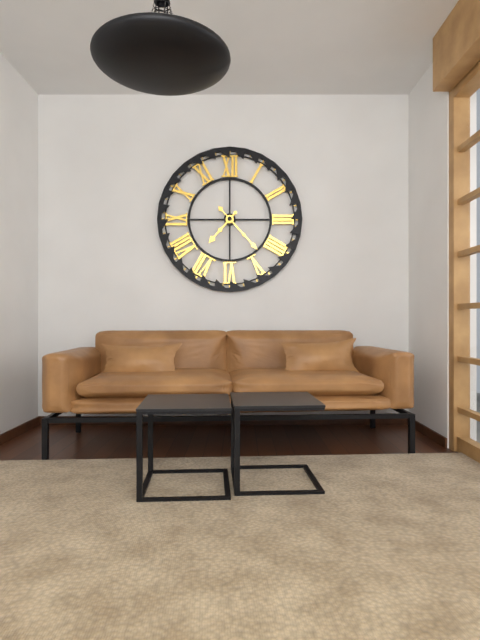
7,23
